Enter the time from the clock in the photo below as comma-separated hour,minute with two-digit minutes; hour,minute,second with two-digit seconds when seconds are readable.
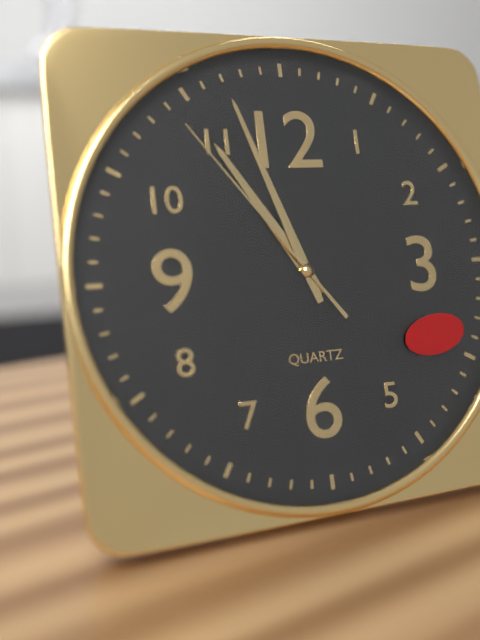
10,57,54
